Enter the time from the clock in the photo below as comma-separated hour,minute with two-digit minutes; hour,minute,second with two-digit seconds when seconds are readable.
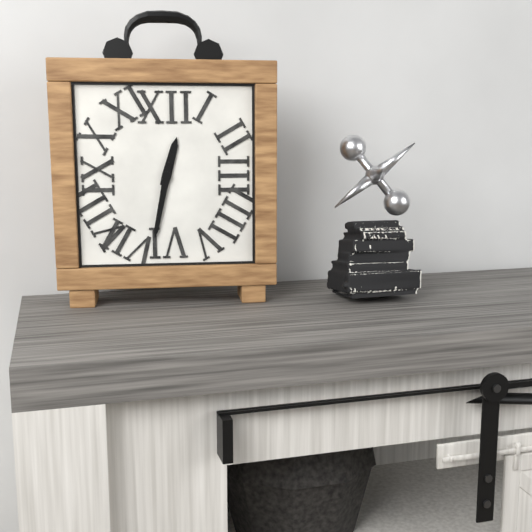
12,32
